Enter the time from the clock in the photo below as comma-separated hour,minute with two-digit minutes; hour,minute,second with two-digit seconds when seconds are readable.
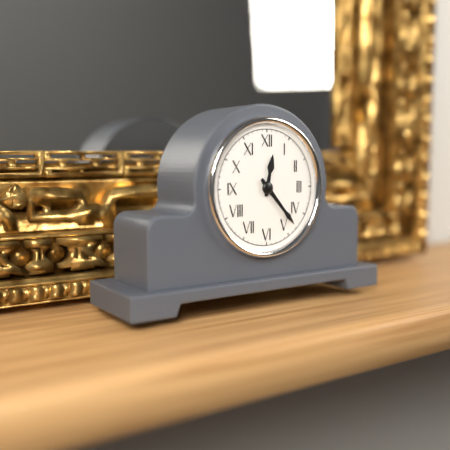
12,23
